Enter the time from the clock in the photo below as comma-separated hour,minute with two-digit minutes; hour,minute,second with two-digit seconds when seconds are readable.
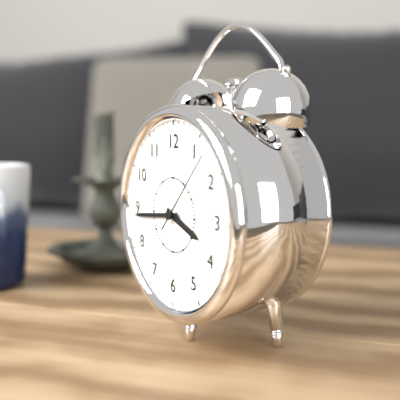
3,44,07
